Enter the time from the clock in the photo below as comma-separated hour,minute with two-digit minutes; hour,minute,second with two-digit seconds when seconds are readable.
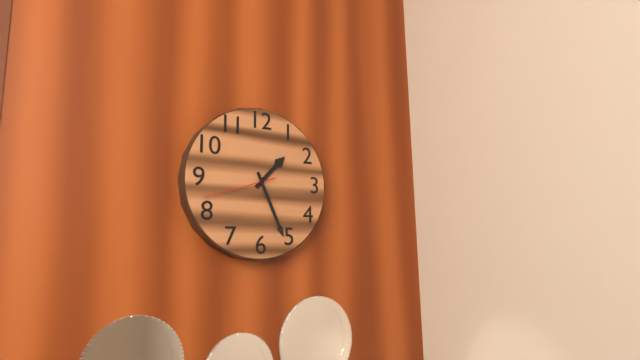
1,26,42
